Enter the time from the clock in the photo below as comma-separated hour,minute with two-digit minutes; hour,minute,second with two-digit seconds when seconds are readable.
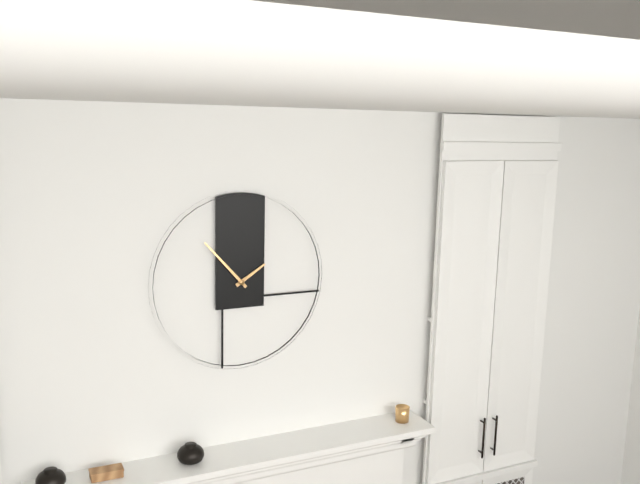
1,53
